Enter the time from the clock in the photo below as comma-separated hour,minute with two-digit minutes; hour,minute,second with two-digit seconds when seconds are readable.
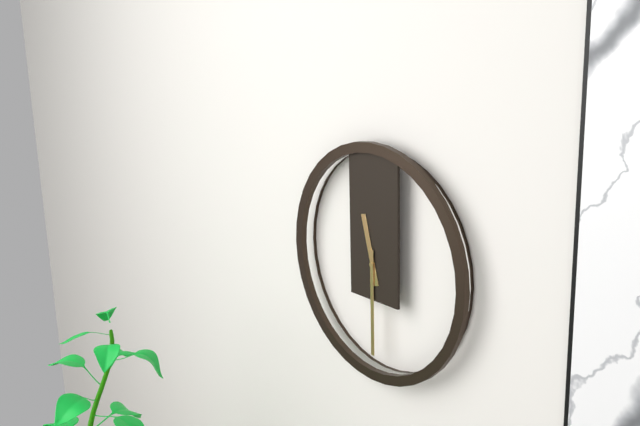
11,30
